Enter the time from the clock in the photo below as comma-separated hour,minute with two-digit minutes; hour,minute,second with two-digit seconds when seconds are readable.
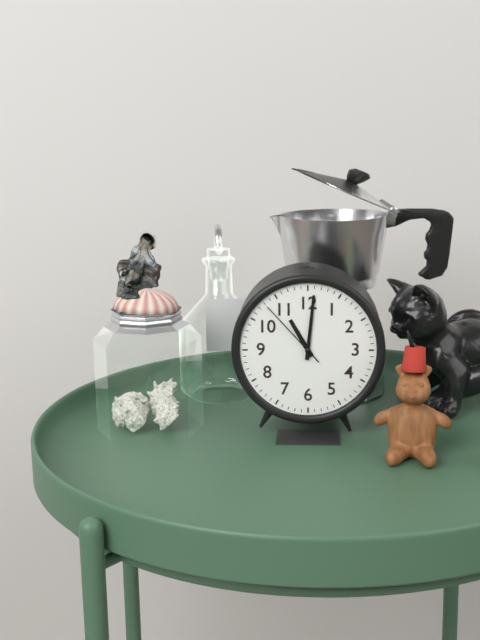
11,01,53
